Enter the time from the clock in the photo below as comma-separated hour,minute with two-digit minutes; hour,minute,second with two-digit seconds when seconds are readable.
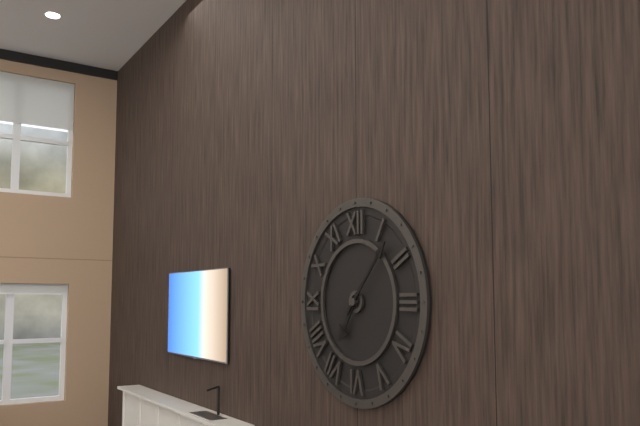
7,07
